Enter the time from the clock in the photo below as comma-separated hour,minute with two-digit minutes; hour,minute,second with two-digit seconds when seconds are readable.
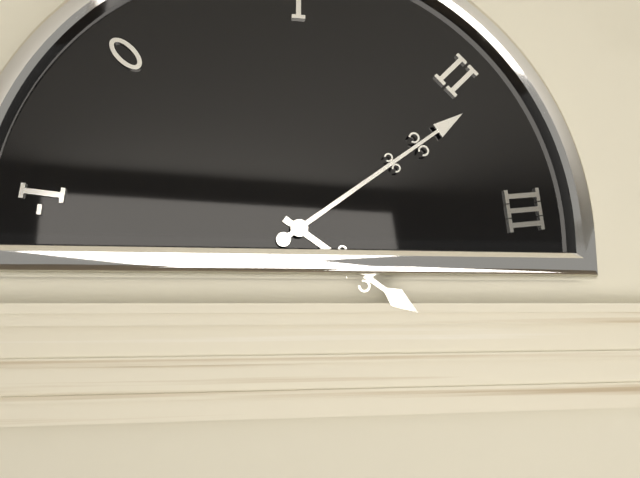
4,09
